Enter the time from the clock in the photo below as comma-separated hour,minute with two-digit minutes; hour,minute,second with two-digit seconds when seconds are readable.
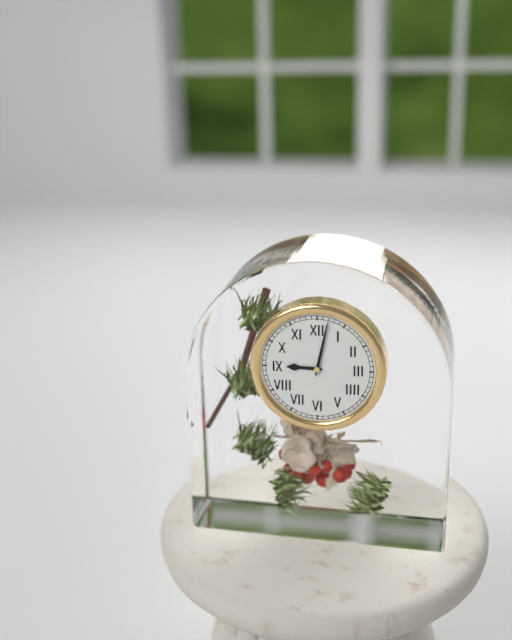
9,02
